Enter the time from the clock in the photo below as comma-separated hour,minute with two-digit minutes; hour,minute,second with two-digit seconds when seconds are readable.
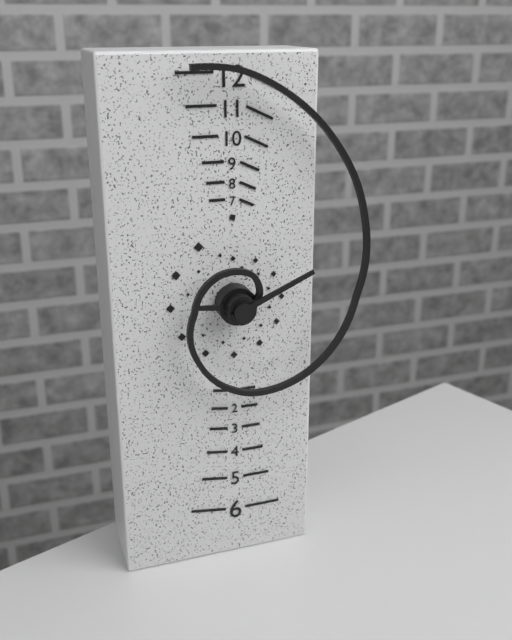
9,11
